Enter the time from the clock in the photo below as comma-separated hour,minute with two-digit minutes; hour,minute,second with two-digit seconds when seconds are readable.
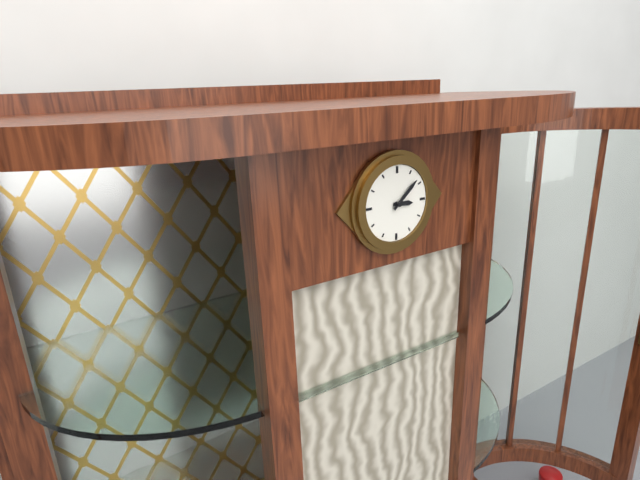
3,08
